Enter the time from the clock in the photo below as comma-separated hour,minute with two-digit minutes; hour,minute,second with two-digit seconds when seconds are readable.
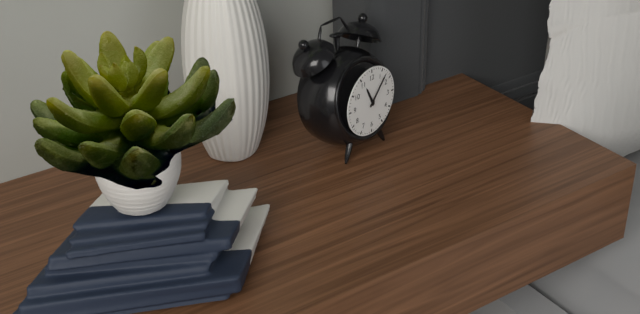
11,07
